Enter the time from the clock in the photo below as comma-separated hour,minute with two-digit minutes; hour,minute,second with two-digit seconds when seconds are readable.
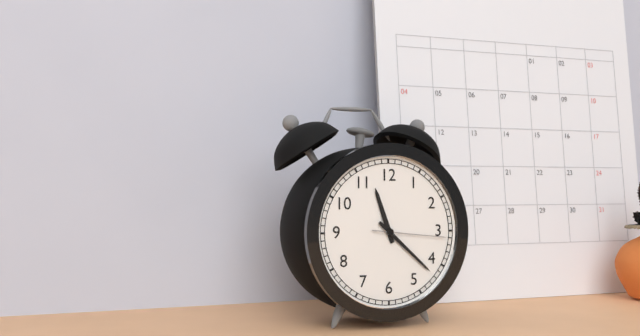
11,22,16
